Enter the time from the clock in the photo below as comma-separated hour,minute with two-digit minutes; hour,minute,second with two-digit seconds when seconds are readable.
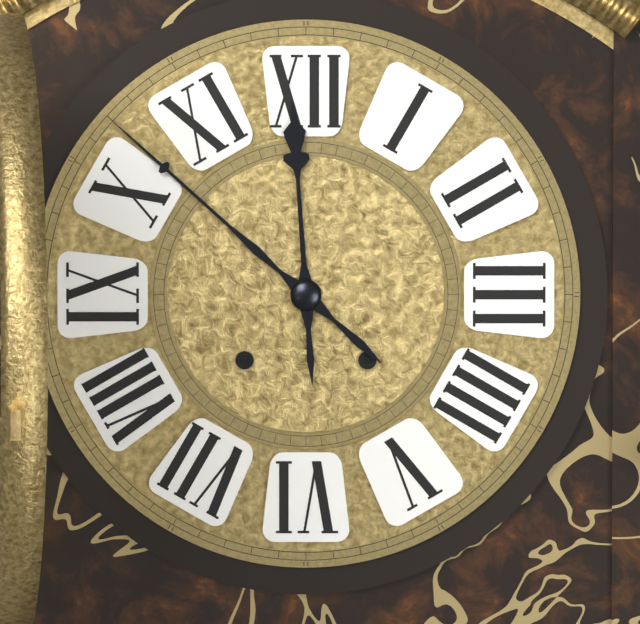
11,52
